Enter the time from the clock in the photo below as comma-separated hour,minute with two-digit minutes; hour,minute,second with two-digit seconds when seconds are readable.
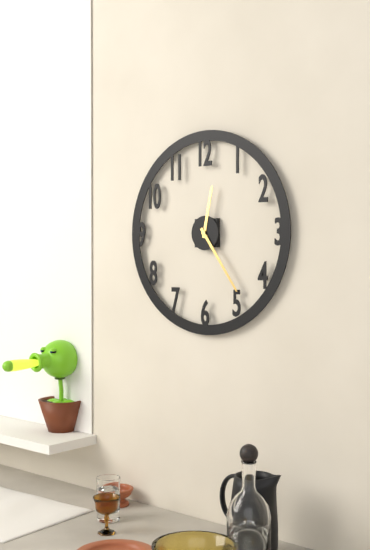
12,24
